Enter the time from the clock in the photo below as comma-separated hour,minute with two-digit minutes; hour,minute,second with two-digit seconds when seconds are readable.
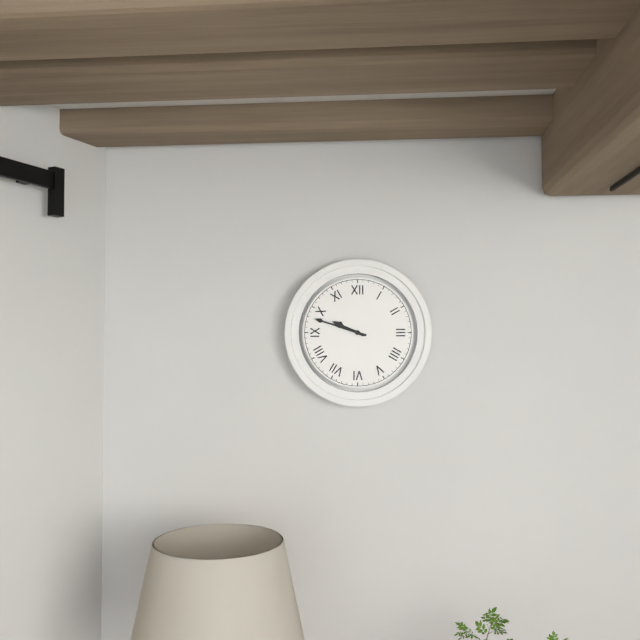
9,48
